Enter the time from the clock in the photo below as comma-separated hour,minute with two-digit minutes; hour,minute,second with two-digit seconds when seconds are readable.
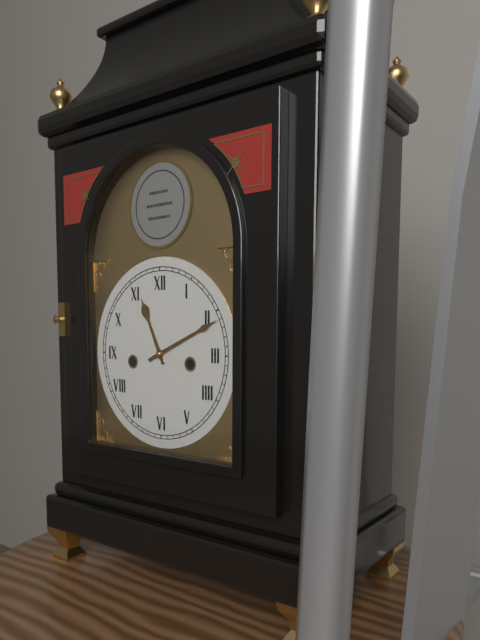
11,11
